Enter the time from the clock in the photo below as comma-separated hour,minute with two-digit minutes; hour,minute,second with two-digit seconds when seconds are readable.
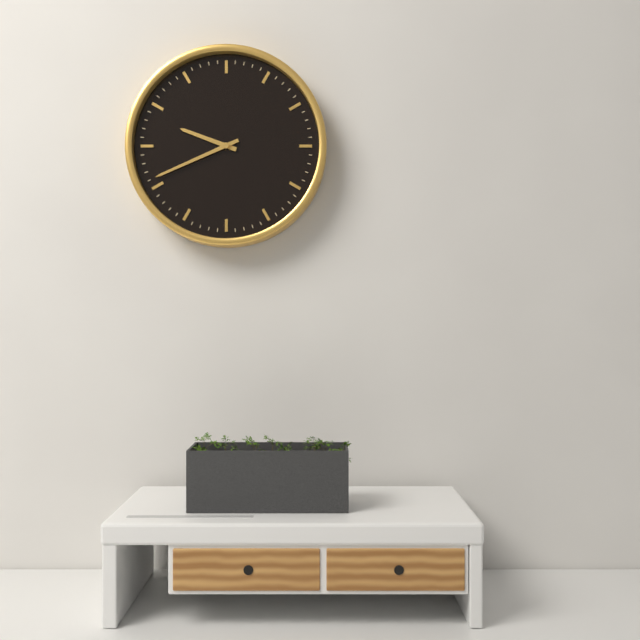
9,41
